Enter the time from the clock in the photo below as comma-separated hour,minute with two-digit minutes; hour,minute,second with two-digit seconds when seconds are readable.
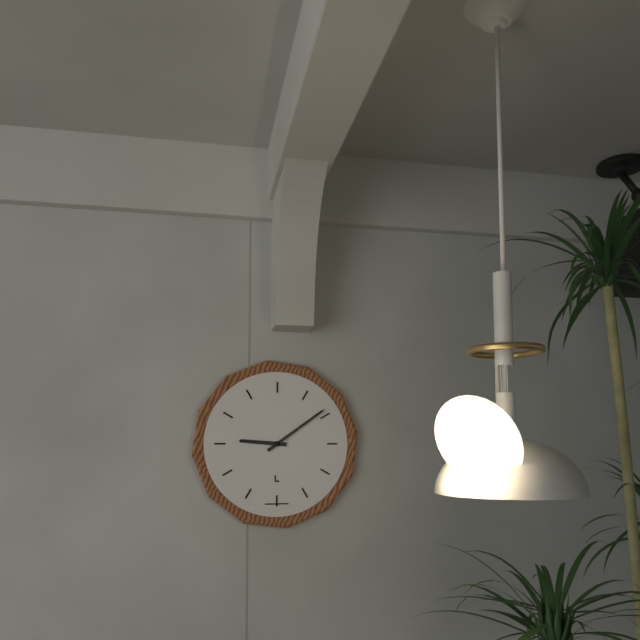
9,09
